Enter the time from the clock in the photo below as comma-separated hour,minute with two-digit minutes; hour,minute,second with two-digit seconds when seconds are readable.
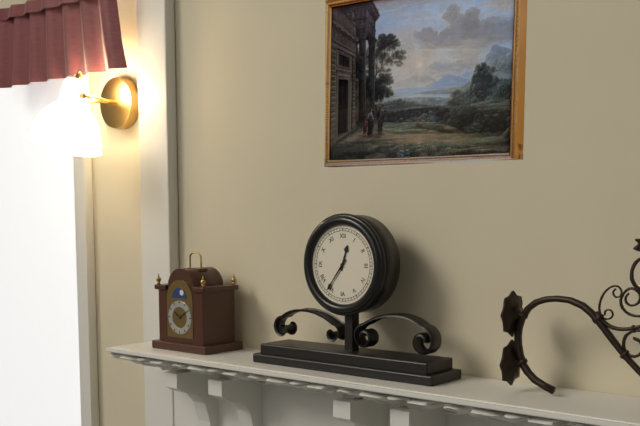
12,36
